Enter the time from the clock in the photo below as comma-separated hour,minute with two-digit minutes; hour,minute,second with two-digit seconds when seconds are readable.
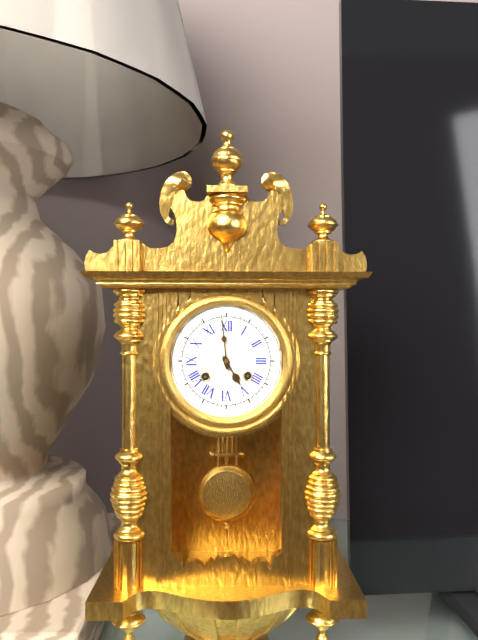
4,59
